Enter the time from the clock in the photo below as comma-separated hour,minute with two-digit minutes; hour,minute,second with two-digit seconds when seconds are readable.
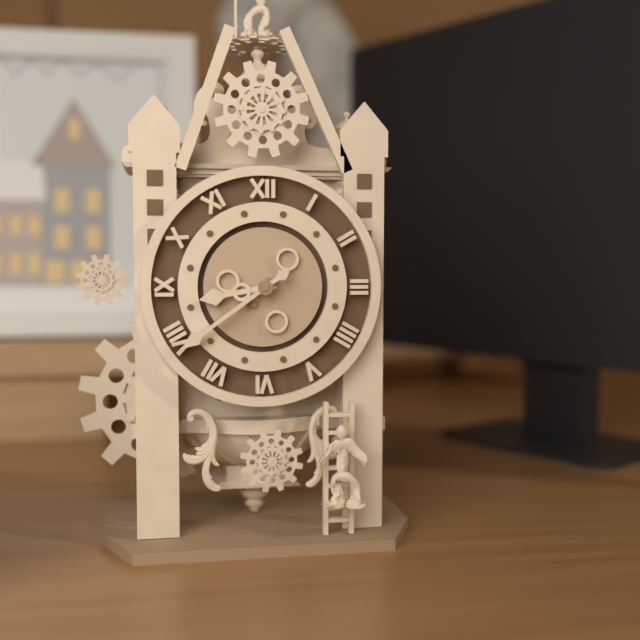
8,39
